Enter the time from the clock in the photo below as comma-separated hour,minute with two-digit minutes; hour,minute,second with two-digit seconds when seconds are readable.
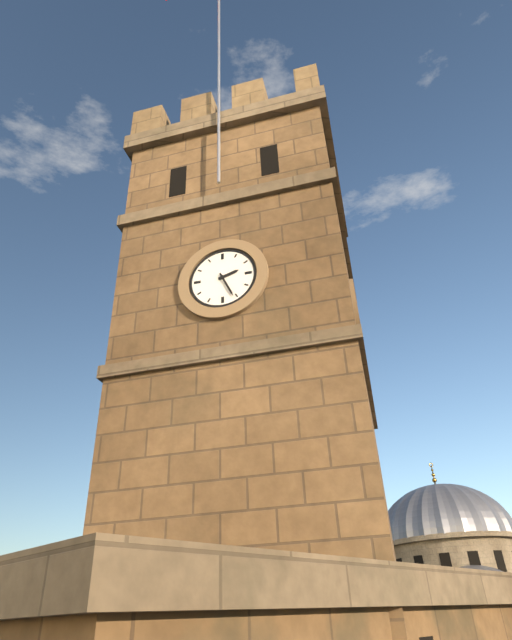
2,26
